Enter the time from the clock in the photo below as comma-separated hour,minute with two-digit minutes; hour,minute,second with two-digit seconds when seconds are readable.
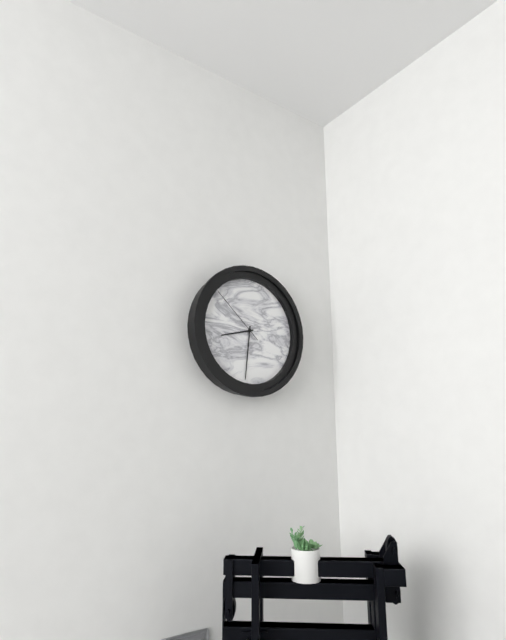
8,31,52
